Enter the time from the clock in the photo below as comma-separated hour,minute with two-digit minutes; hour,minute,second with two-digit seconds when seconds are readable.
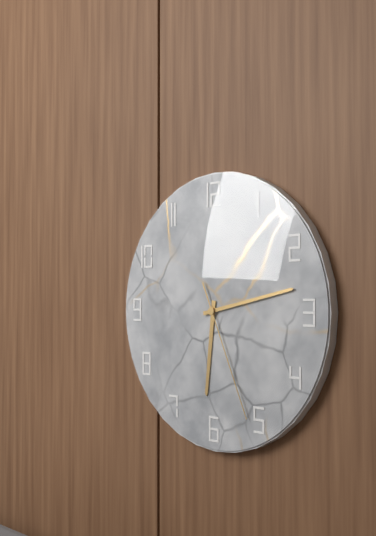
6,13,26
